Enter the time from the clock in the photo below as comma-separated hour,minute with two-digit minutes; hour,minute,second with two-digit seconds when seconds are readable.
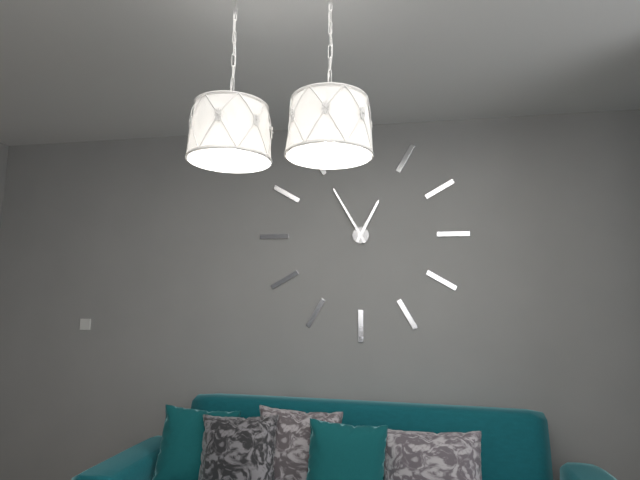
12,55
